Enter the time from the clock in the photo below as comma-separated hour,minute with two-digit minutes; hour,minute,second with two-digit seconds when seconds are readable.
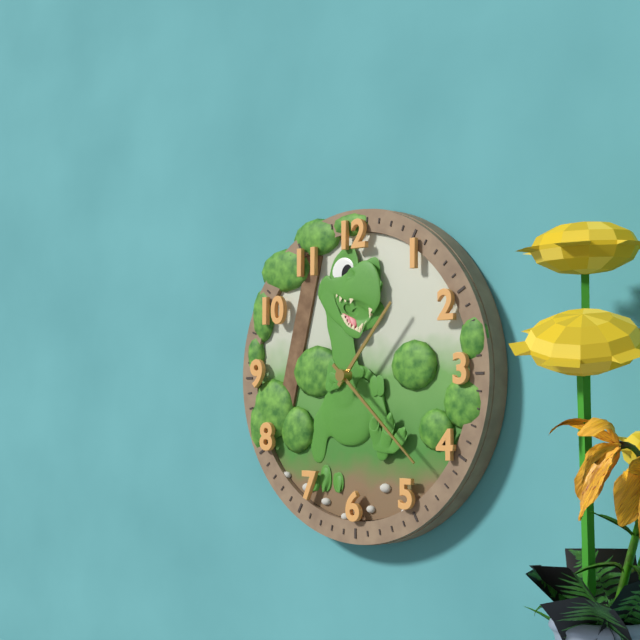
1,22
